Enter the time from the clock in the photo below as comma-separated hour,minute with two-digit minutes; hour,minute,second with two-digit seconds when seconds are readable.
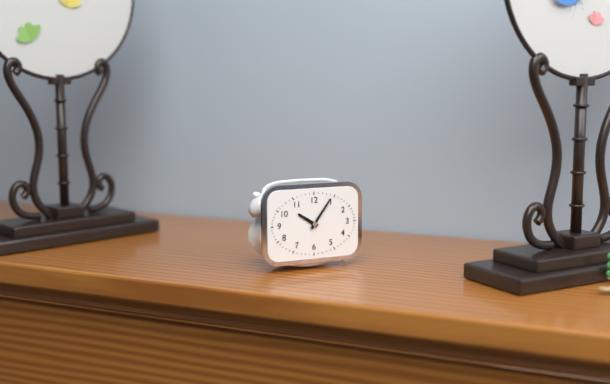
10,06
